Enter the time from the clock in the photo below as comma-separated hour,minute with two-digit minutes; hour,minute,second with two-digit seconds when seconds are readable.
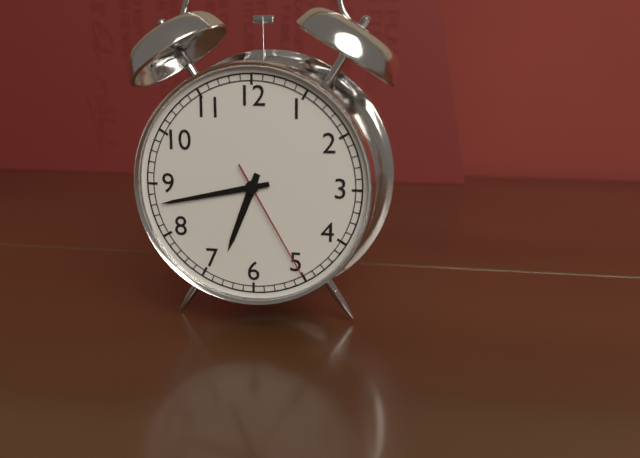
6,43,25
